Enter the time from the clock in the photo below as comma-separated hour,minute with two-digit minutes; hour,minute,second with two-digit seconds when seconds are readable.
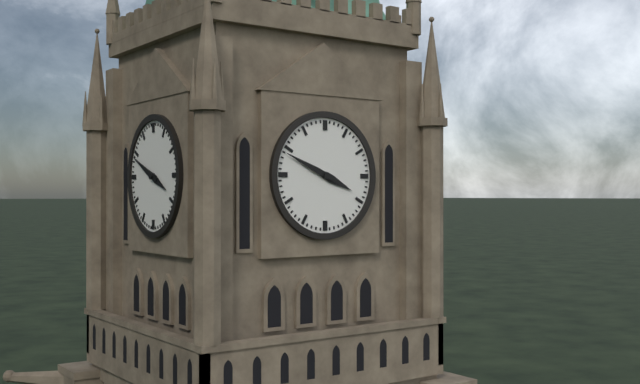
3,49
